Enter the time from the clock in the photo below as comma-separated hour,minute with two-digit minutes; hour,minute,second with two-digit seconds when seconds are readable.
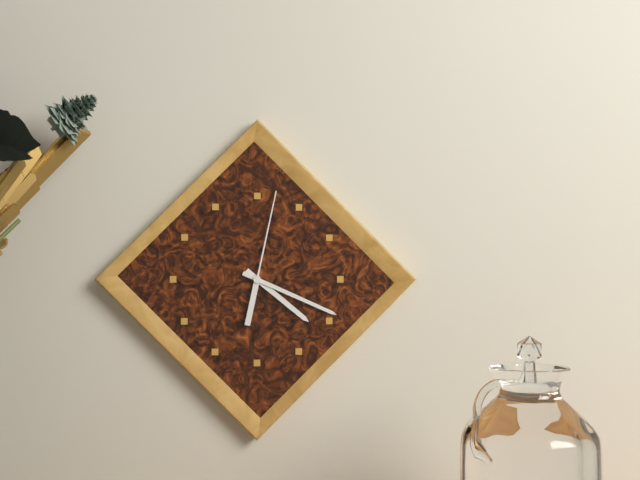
4,19,02
